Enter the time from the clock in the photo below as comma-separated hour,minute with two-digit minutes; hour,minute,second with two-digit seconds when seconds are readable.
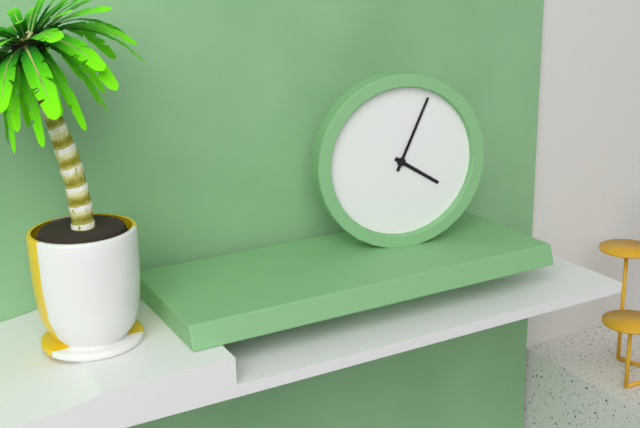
4,04
